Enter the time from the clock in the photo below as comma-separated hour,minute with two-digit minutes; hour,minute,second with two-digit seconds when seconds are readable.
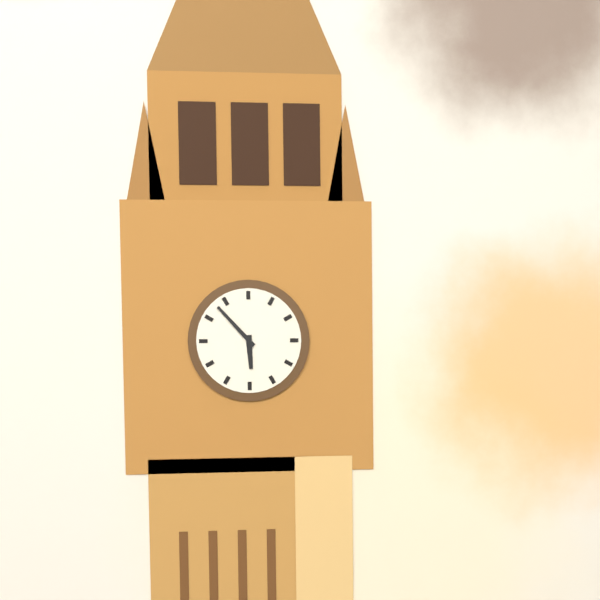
5,53
